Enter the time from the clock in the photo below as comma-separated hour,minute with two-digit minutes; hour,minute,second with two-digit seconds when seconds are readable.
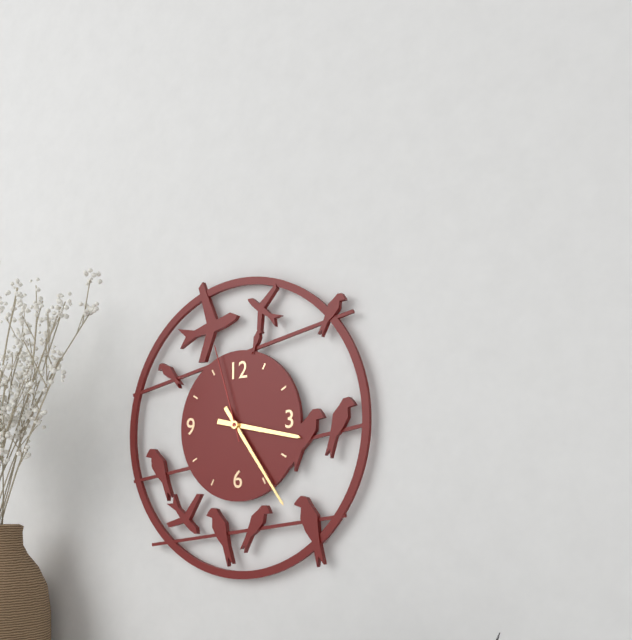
3,24,57
